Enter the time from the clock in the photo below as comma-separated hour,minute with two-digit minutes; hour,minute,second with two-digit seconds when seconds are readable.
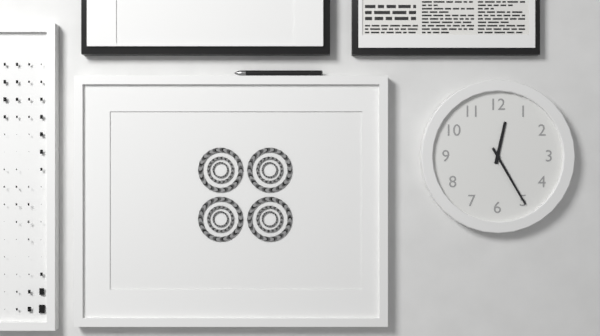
12,25
